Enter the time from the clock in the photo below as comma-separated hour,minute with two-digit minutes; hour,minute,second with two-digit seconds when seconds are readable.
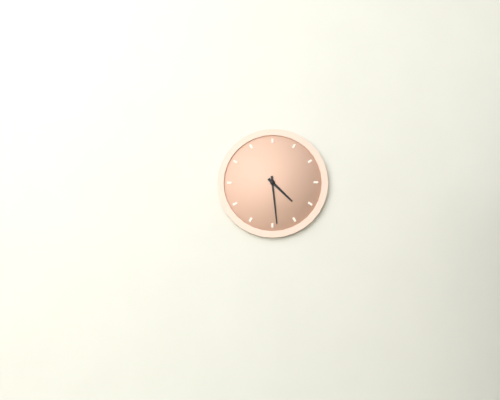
4,29
